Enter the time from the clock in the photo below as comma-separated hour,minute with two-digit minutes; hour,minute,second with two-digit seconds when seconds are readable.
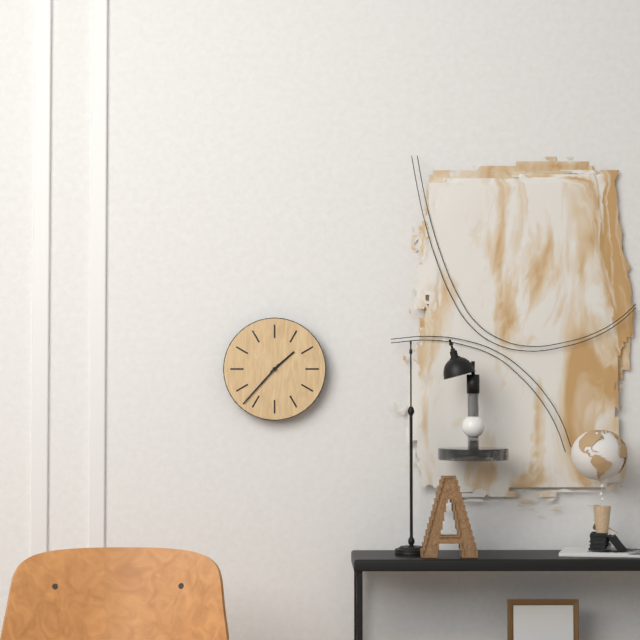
1,37
